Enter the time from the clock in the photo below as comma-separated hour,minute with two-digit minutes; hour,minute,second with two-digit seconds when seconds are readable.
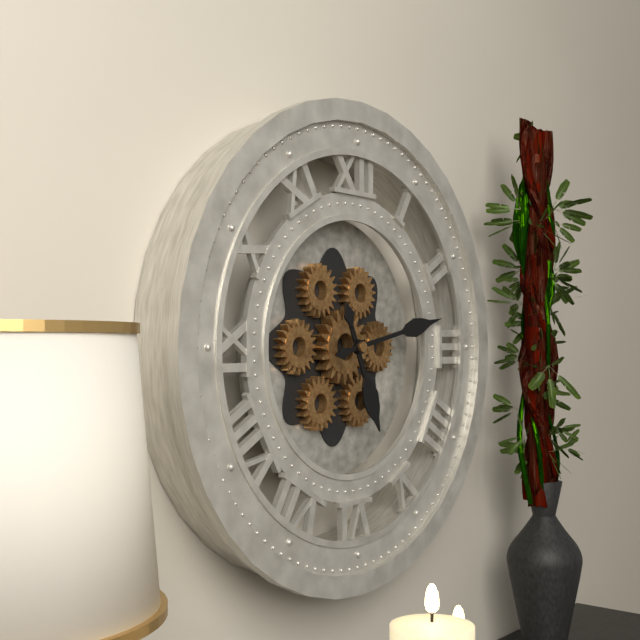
5,13
